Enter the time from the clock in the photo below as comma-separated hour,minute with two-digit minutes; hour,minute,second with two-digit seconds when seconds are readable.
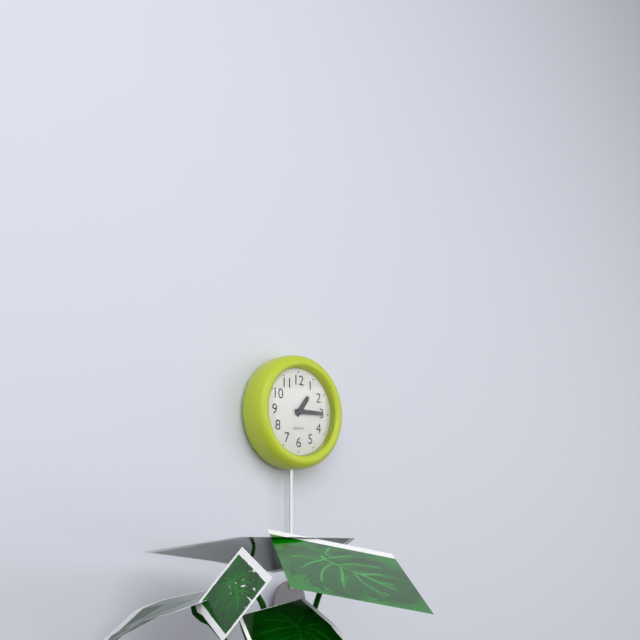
1,15
